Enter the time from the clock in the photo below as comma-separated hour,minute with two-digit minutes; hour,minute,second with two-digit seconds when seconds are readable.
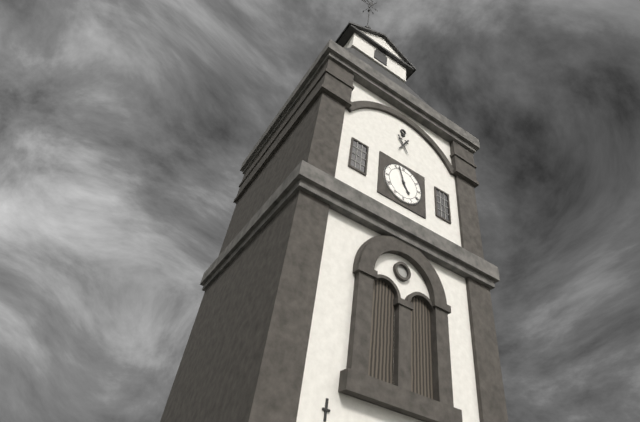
4,57
